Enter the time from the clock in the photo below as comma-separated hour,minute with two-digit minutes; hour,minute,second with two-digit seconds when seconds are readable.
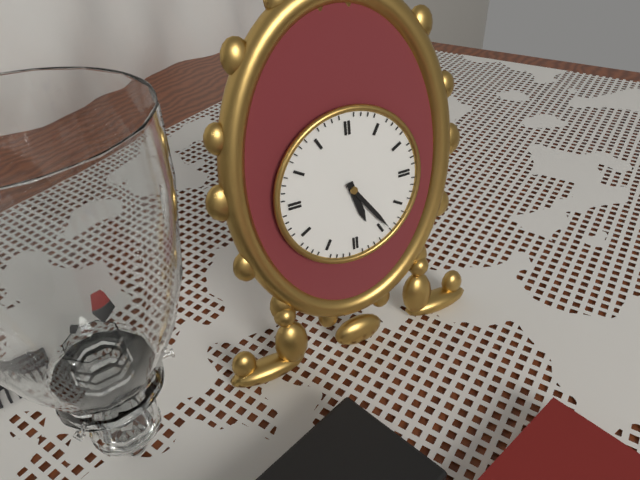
5,24
